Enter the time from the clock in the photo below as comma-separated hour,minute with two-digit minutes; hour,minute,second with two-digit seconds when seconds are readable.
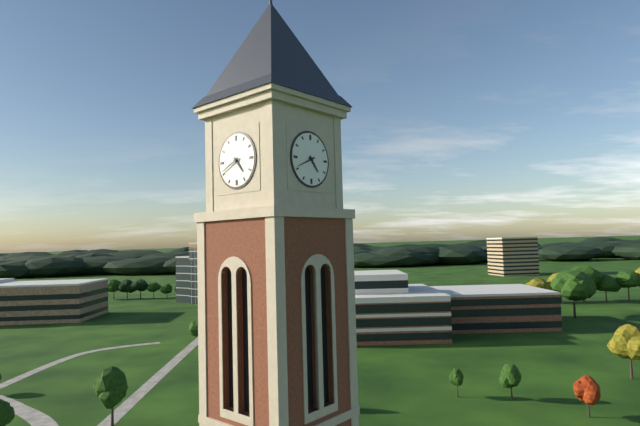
4,41
